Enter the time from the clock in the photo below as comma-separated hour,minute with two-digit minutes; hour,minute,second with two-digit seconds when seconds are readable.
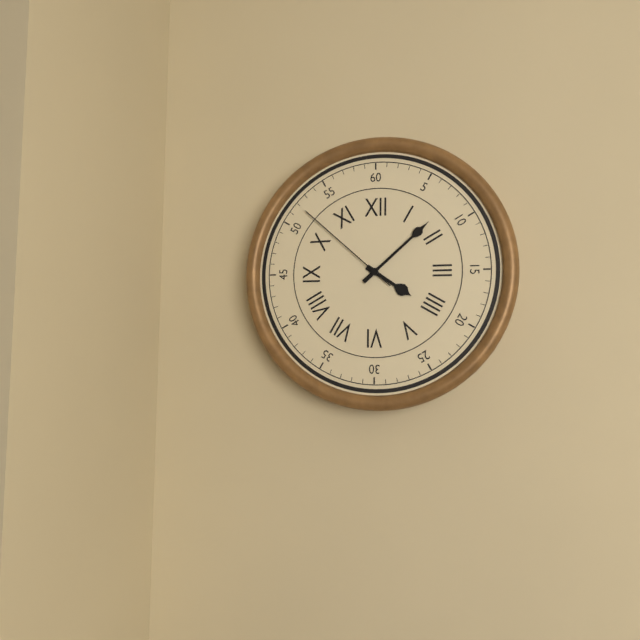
4,08,52
